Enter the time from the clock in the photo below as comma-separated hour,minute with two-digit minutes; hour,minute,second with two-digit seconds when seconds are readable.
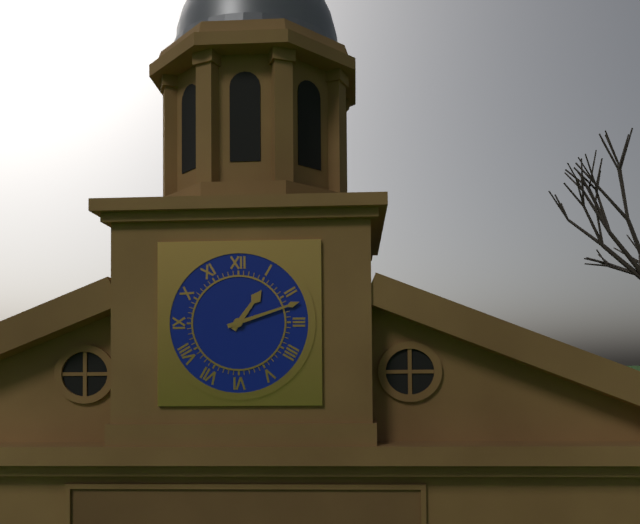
1,12
